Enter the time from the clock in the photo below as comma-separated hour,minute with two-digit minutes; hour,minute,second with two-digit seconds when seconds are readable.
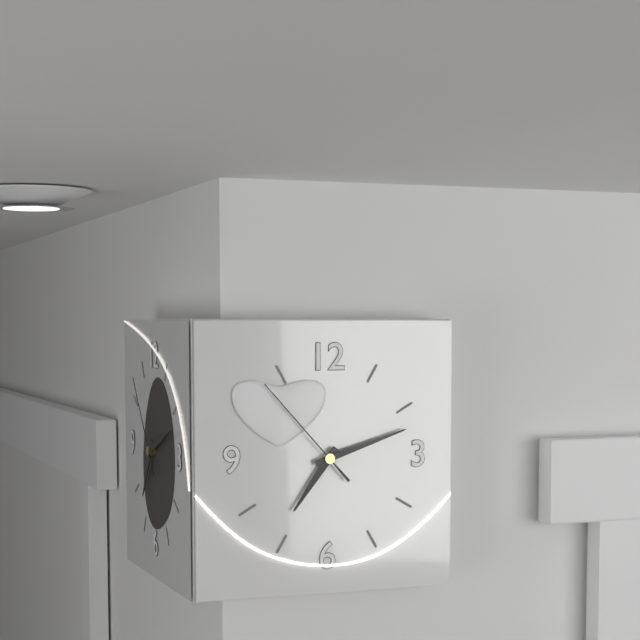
7,12,53
